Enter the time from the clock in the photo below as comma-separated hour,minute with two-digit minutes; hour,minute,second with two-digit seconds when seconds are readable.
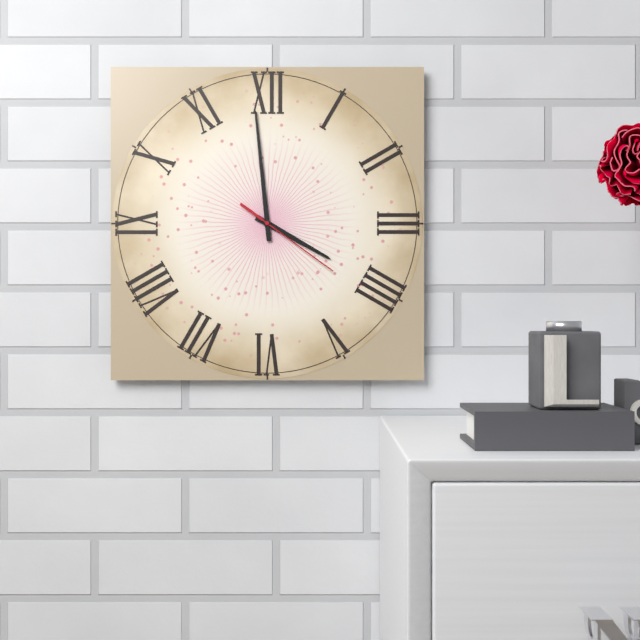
3,59,21
